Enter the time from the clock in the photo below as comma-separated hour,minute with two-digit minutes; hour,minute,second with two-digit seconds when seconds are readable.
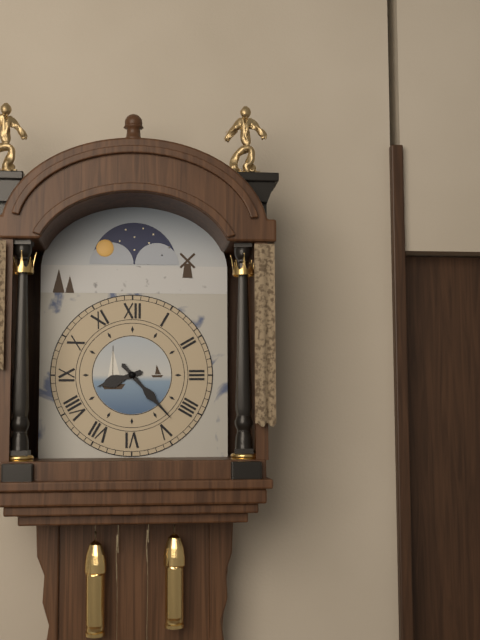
8,23
